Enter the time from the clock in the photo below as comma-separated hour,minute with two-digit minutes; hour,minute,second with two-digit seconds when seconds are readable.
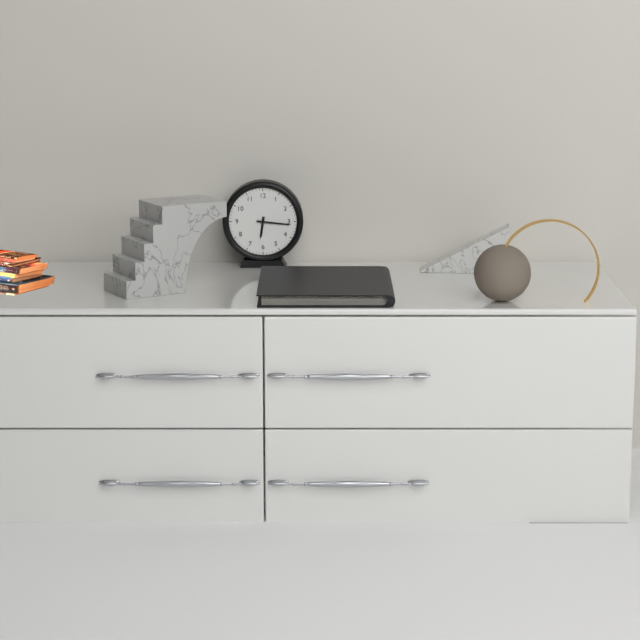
6,16
